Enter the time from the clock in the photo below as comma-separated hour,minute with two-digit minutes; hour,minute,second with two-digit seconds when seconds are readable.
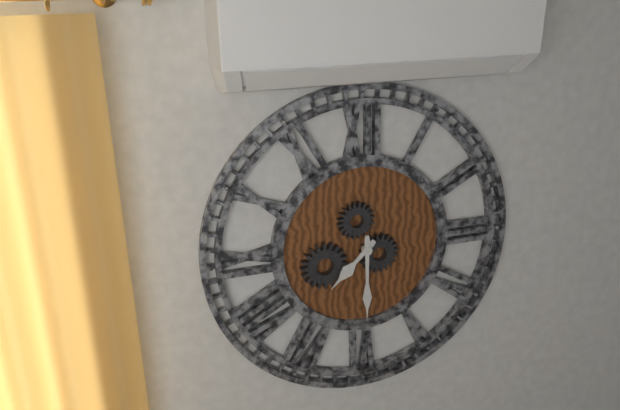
7,30
